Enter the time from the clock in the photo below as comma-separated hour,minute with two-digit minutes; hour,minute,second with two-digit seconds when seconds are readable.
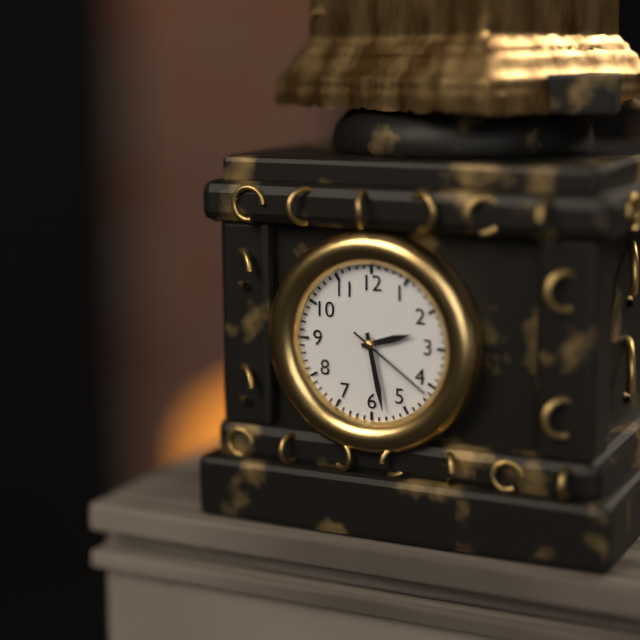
2,28,21
